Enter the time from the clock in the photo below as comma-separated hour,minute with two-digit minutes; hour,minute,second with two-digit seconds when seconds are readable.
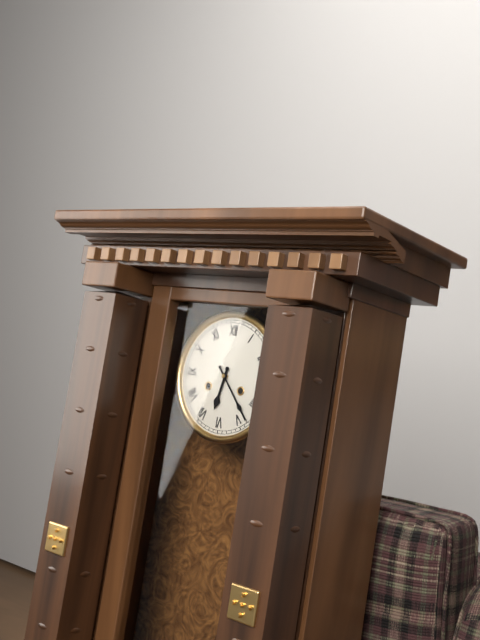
6,23
